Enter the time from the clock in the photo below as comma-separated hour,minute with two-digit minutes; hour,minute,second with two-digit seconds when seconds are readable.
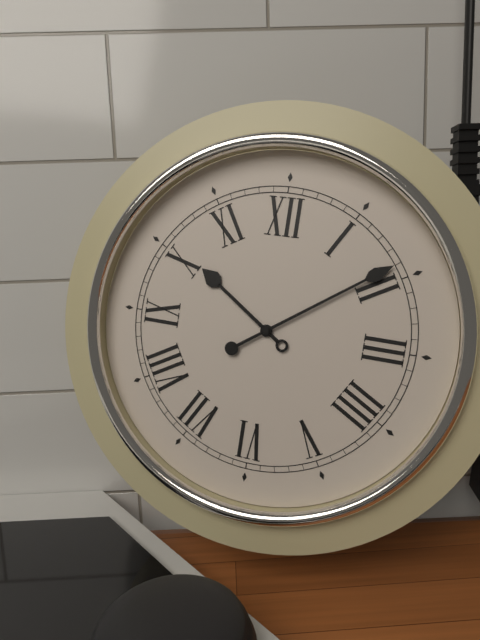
10,09
